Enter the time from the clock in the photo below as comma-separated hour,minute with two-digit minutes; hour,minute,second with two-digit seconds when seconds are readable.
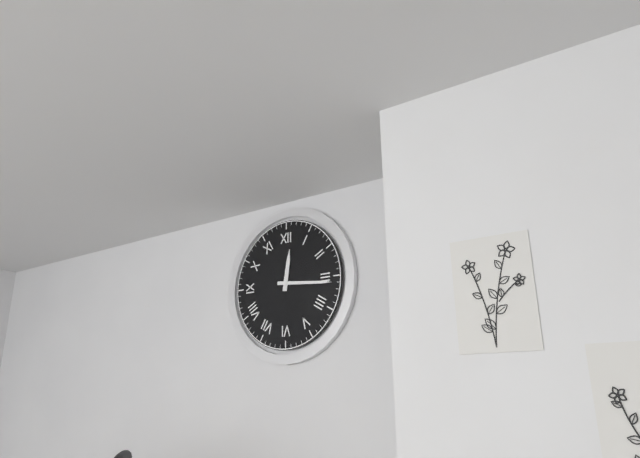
12,16
